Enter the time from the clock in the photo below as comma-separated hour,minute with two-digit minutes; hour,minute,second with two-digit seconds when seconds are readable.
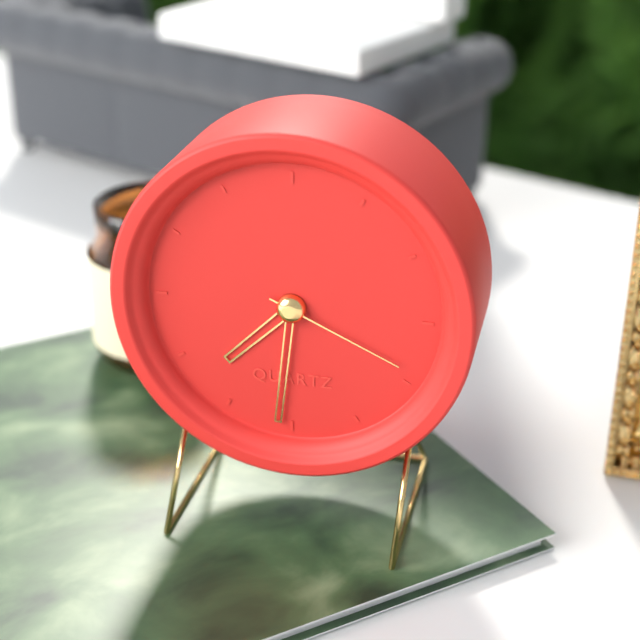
7,31,19
